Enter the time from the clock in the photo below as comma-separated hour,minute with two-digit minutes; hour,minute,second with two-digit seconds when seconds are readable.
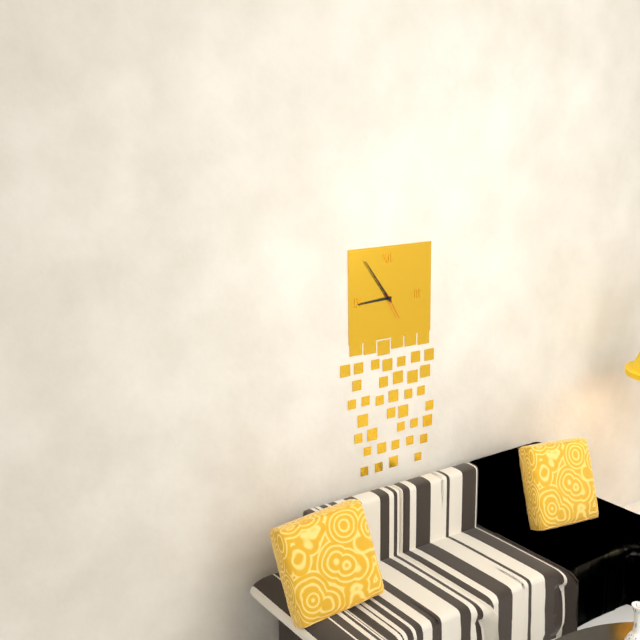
8,54
